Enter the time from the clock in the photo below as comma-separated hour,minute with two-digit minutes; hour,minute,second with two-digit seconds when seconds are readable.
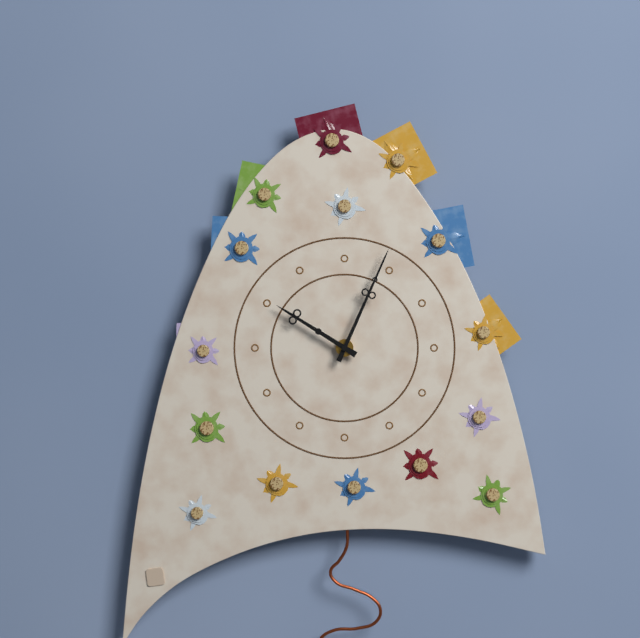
10,04
